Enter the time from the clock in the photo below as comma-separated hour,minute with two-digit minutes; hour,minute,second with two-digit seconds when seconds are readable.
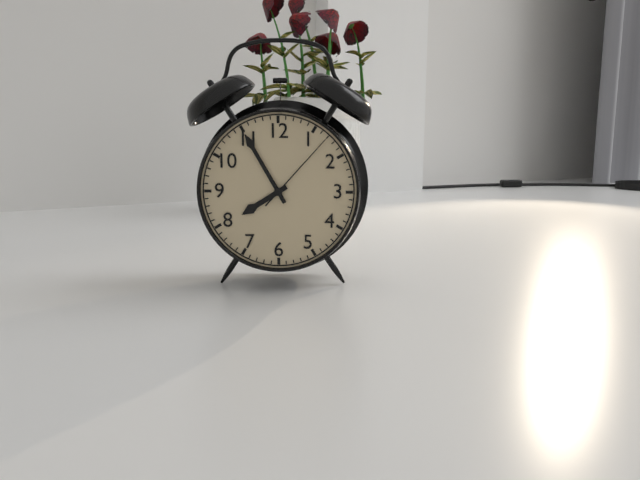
7,55,07
